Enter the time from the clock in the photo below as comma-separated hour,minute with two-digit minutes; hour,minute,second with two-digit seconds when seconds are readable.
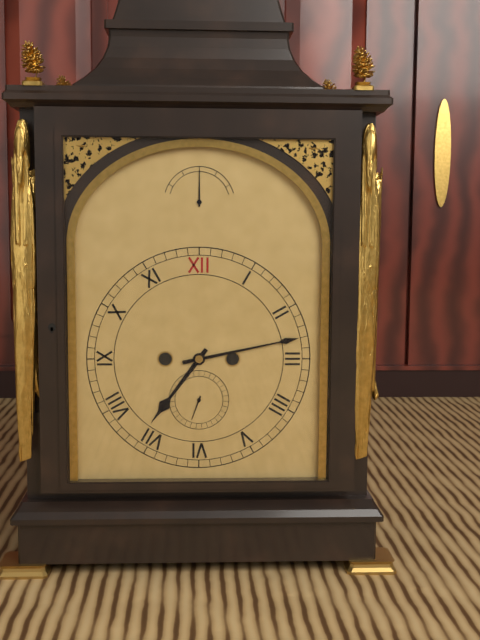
7,13
